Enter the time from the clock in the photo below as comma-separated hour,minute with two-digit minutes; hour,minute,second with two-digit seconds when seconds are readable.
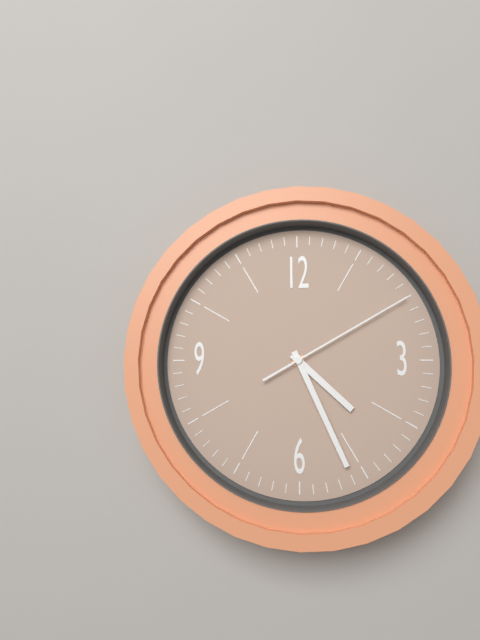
4,26,10
